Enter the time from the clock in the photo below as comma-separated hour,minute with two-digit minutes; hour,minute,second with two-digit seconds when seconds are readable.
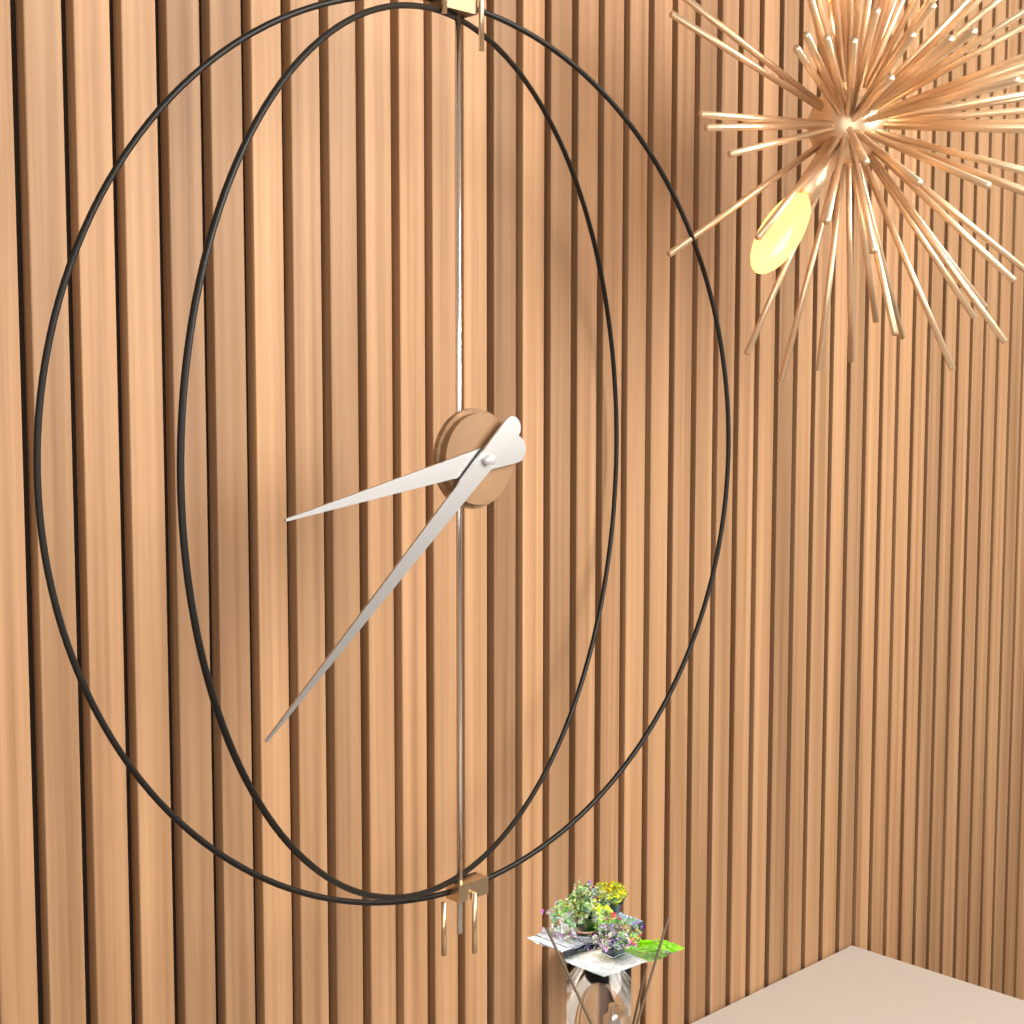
8,38
